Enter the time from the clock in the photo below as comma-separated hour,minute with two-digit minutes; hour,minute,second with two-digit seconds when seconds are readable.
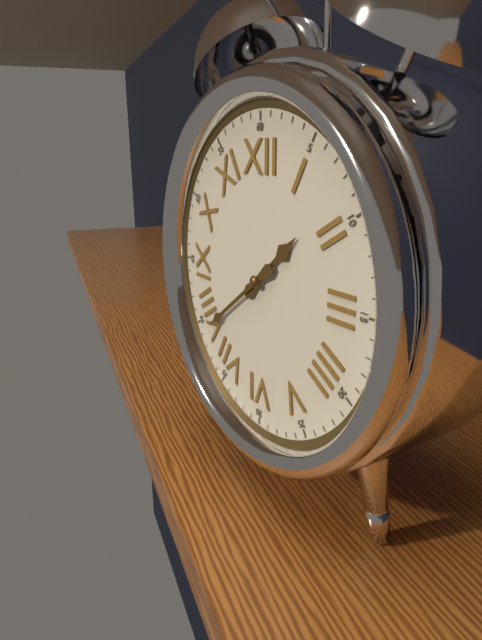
1,39
